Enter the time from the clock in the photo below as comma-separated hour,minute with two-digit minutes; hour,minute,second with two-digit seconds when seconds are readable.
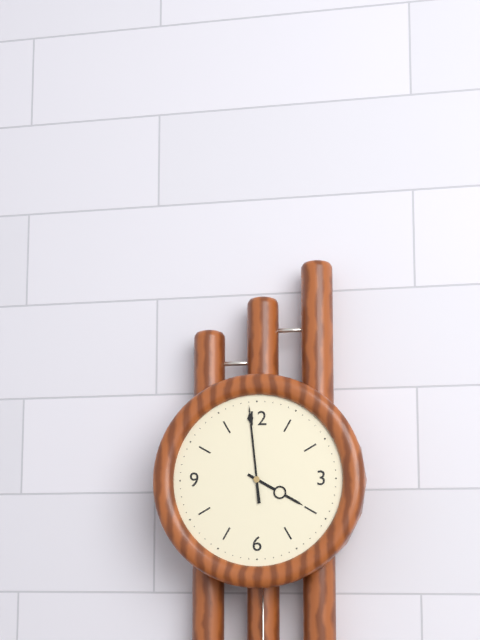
3,59,59
